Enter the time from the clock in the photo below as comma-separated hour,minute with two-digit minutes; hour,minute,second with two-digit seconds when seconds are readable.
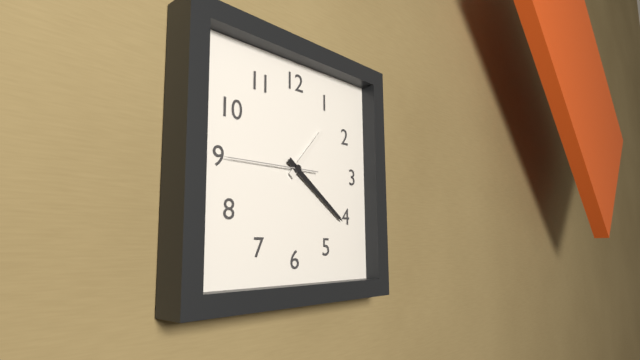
1,21,45
